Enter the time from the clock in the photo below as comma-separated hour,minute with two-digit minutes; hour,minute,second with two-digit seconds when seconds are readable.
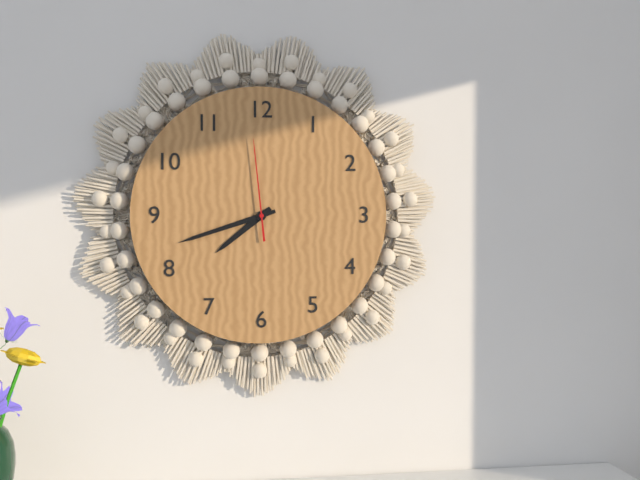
7,42,59
